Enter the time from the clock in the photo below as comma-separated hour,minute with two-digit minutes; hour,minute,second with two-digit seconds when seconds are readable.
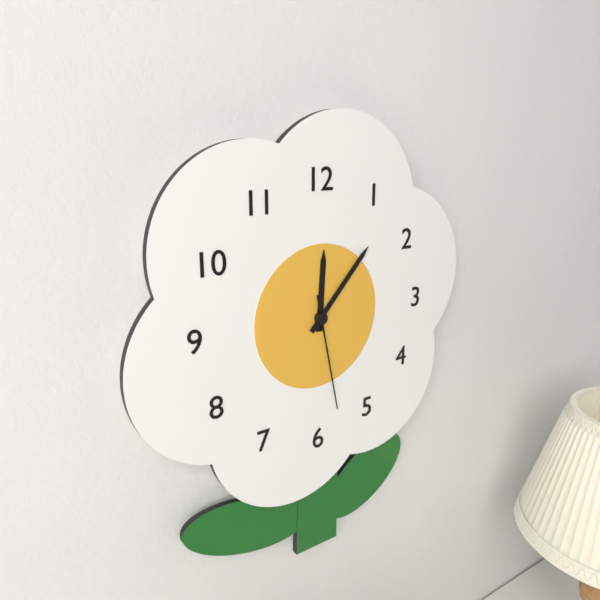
12,07,28
